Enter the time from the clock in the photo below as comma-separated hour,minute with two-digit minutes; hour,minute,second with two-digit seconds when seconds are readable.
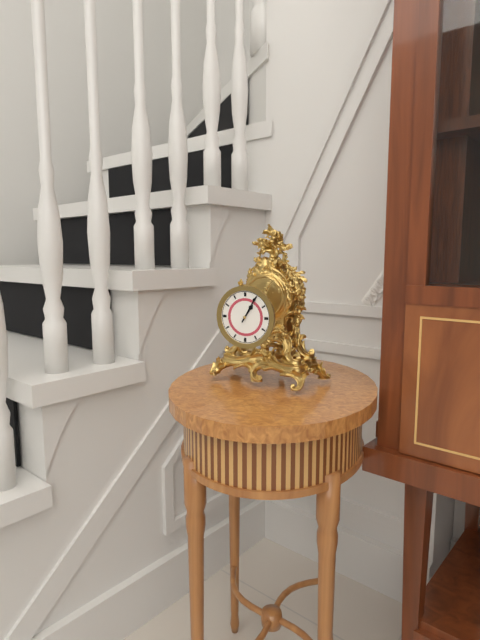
1,05
